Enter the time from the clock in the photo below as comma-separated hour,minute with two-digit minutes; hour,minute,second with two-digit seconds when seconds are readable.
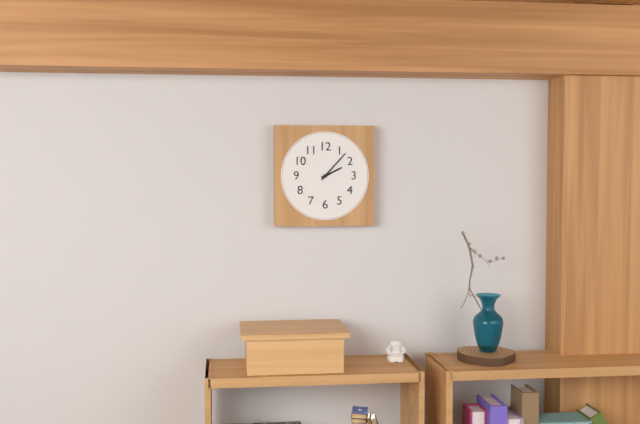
2,07
